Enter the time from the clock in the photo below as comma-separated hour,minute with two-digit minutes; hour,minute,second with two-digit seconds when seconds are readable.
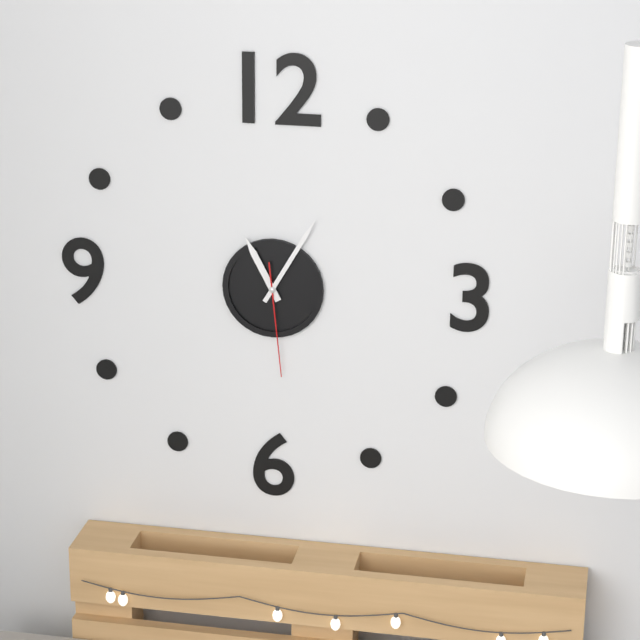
11,05,29
